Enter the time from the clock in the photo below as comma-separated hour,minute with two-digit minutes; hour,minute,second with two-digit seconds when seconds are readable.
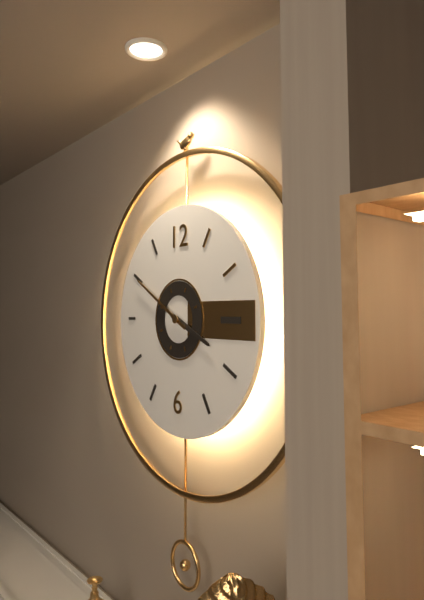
3,50
